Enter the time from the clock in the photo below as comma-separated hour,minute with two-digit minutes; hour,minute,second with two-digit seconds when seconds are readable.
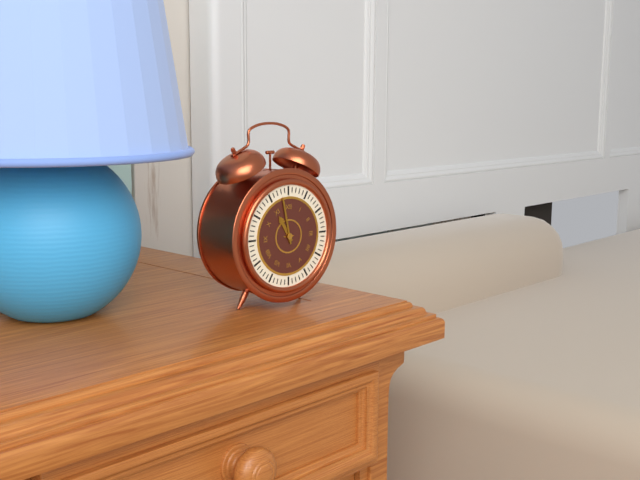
10,58
